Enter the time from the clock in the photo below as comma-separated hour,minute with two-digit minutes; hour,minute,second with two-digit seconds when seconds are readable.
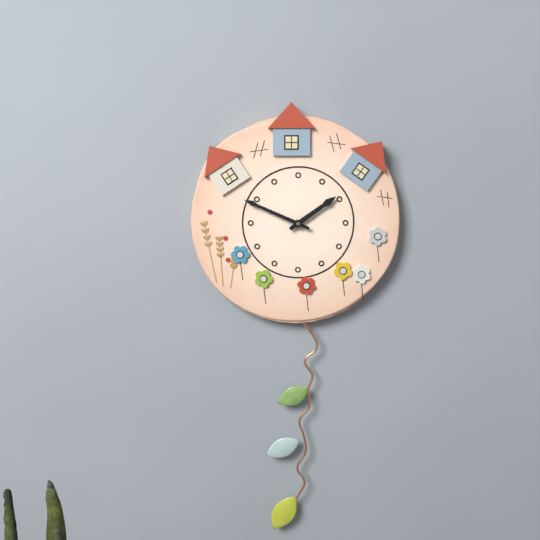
1,49
